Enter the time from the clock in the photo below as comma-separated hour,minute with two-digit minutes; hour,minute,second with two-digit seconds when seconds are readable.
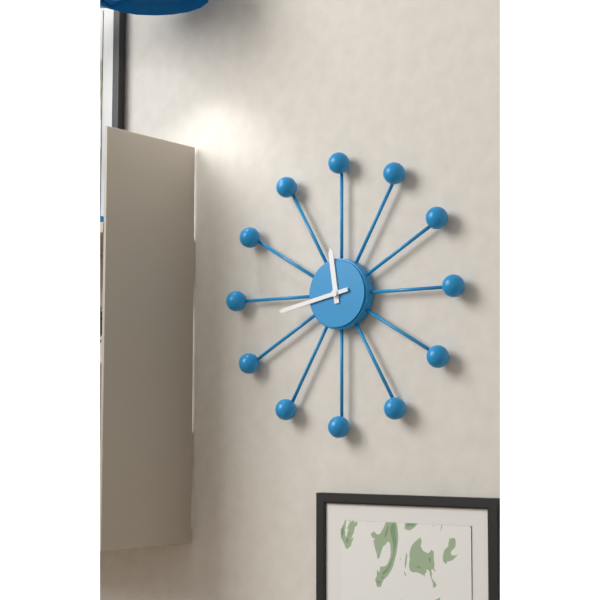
11,43
